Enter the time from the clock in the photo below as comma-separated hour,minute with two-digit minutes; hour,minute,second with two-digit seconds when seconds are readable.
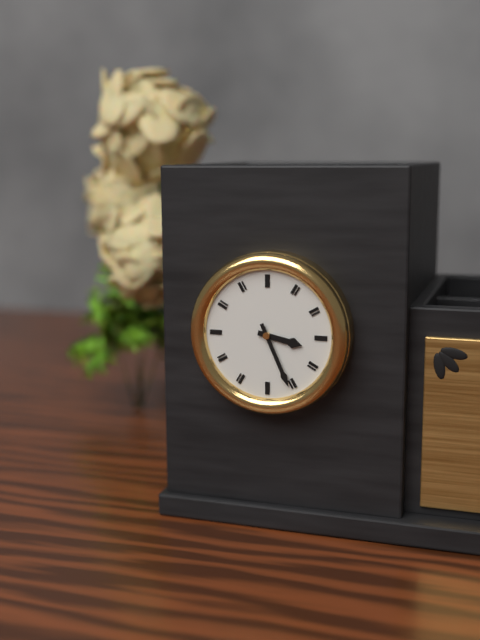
3,26
